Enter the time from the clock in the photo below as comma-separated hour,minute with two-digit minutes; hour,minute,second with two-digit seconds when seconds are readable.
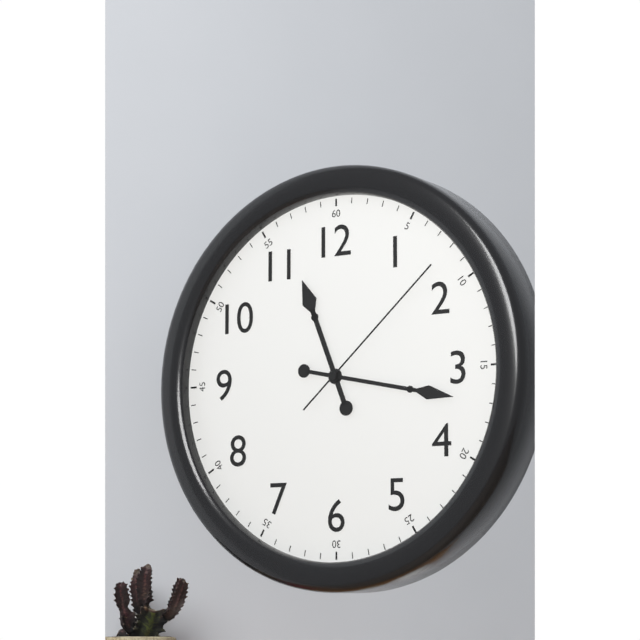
11,17,08
